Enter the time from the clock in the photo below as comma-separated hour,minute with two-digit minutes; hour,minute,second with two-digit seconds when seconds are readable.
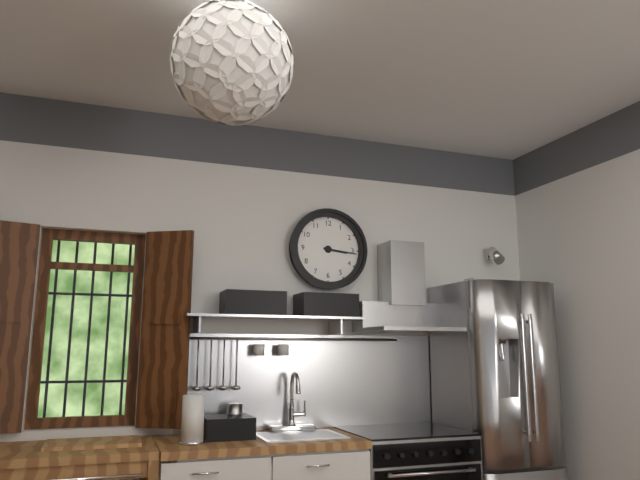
3,16
